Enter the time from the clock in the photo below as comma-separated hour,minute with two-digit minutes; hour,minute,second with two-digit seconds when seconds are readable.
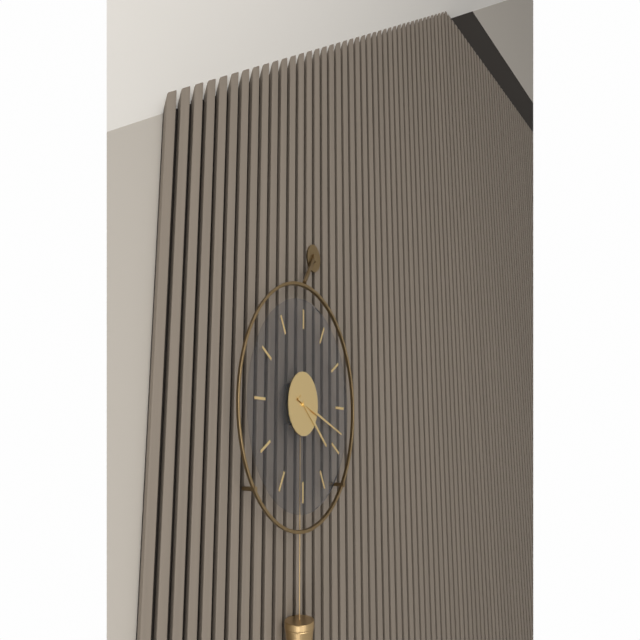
4,18
